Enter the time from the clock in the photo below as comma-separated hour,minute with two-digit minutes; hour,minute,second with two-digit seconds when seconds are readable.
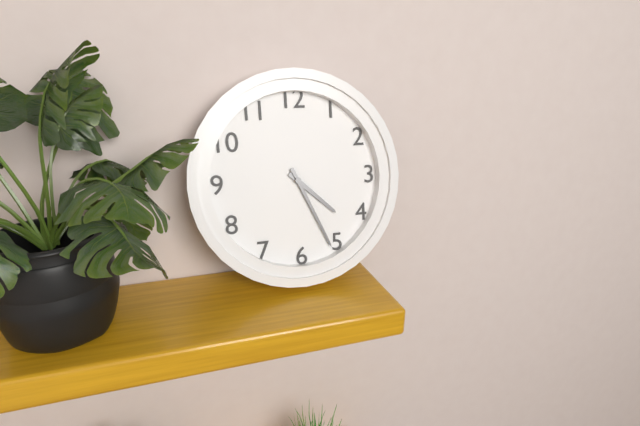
4,26
